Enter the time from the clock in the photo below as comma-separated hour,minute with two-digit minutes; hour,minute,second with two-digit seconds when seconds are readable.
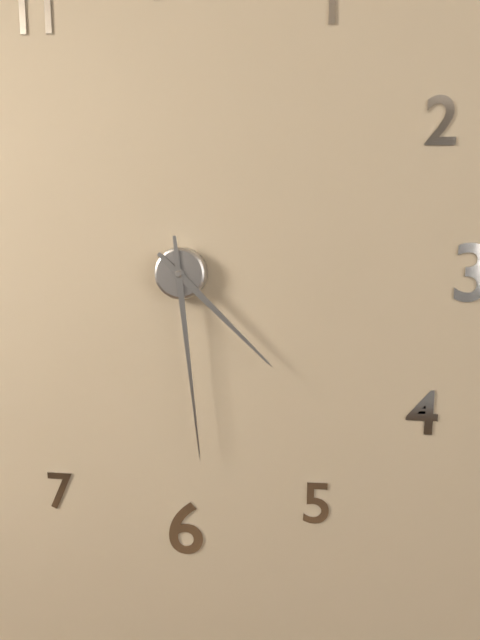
4,29
